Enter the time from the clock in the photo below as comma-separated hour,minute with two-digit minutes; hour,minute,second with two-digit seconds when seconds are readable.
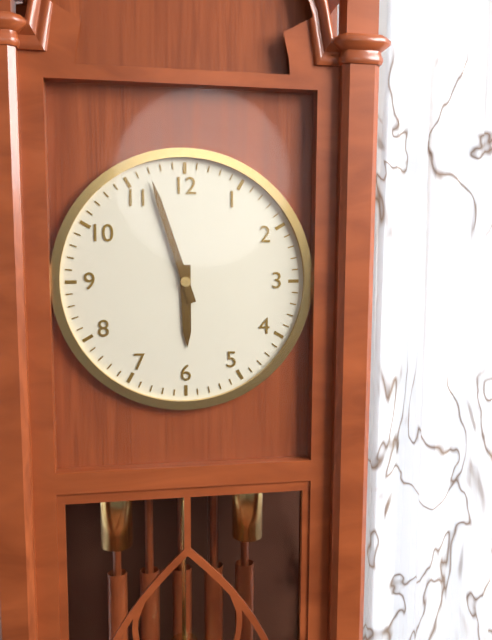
5,57
